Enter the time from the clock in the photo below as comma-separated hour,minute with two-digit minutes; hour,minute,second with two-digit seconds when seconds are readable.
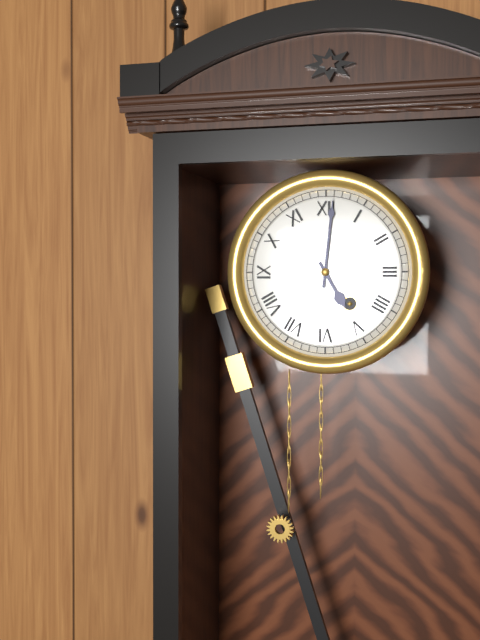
5,01
